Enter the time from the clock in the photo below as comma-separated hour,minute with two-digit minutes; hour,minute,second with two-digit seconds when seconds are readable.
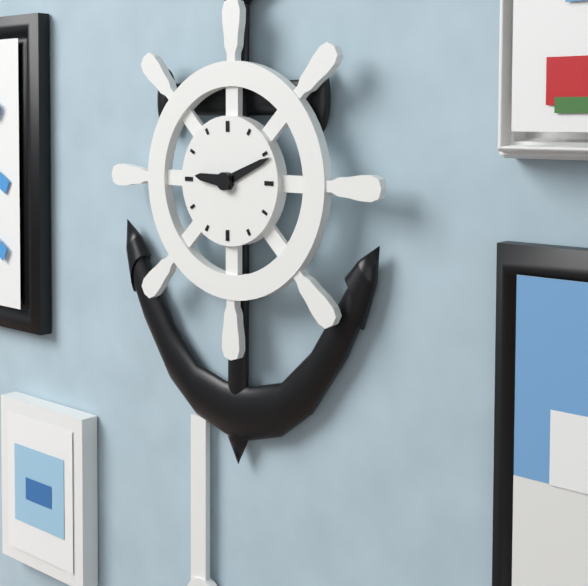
9,11
